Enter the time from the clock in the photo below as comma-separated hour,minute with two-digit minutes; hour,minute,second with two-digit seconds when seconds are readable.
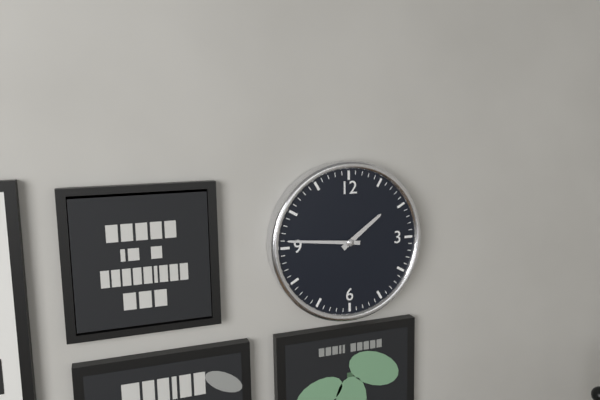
1,46
